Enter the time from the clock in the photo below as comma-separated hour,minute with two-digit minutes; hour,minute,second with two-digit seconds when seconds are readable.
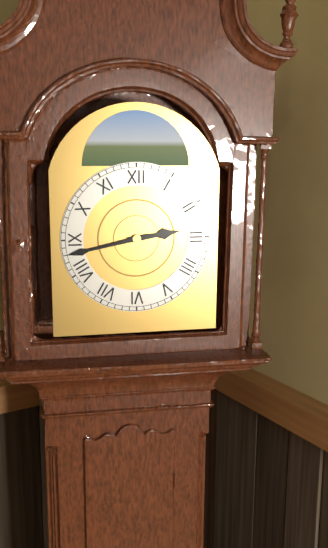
2,43
